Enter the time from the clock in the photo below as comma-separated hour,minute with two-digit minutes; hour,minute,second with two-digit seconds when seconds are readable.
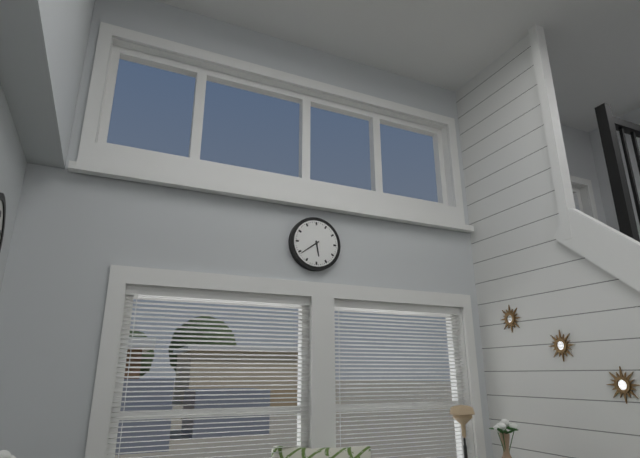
5,39
